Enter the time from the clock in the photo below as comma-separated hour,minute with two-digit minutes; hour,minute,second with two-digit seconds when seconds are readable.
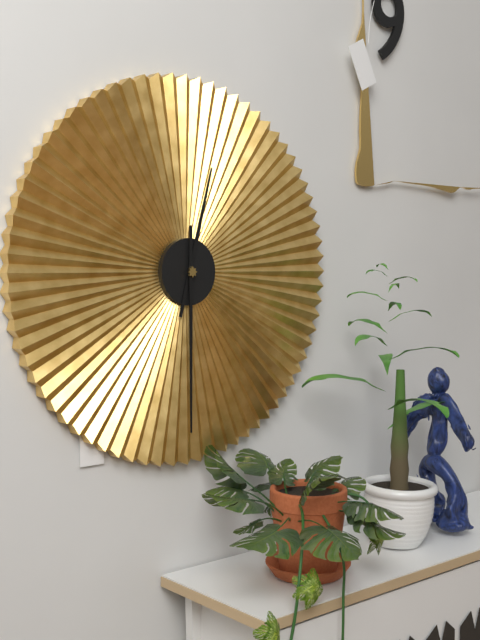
12,30
